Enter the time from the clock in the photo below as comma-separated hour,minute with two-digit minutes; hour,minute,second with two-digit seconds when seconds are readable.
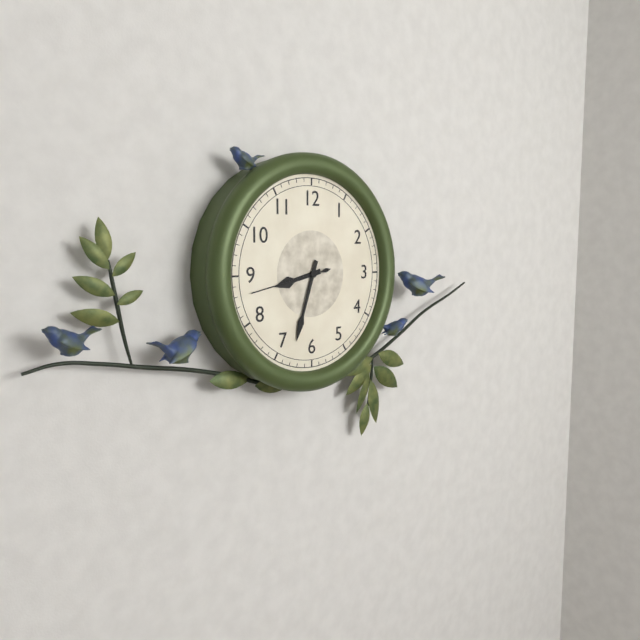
8,33,43
